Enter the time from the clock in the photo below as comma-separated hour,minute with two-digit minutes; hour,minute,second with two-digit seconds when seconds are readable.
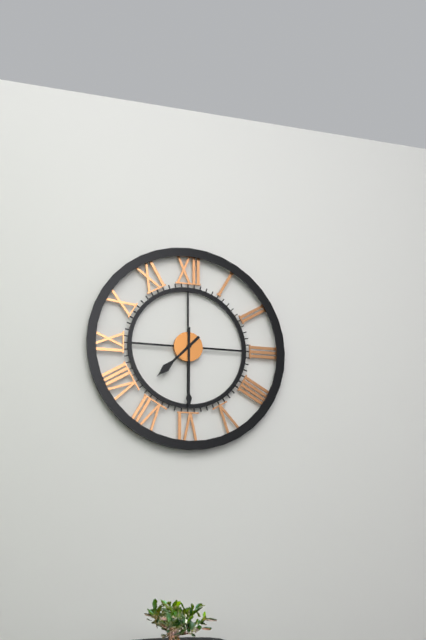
7,30
